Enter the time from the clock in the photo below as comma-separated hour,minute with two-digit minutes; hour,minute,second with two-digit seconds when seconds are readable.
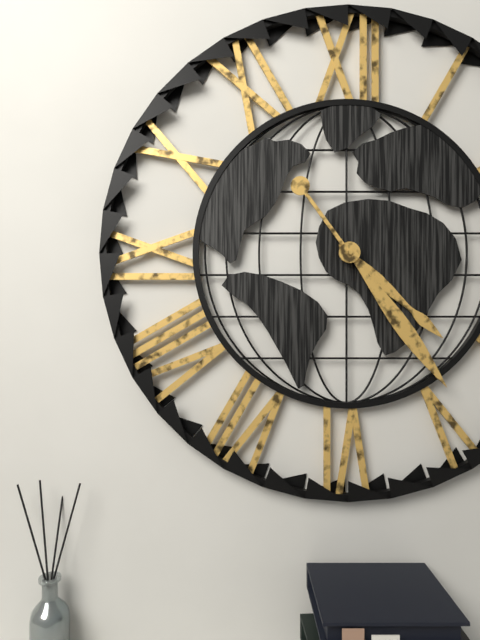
4,24
